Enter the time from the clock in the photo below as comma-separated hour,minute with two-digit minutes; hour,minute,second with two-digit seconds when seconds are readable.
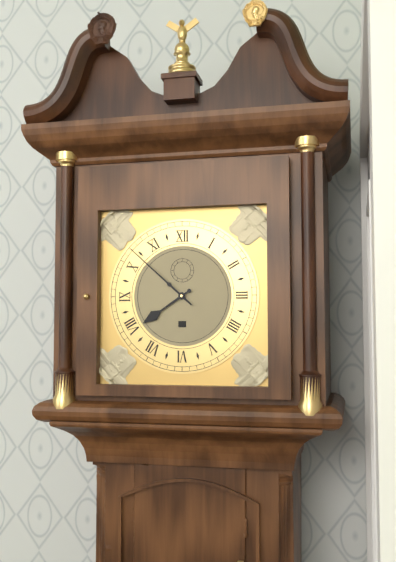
7,52
